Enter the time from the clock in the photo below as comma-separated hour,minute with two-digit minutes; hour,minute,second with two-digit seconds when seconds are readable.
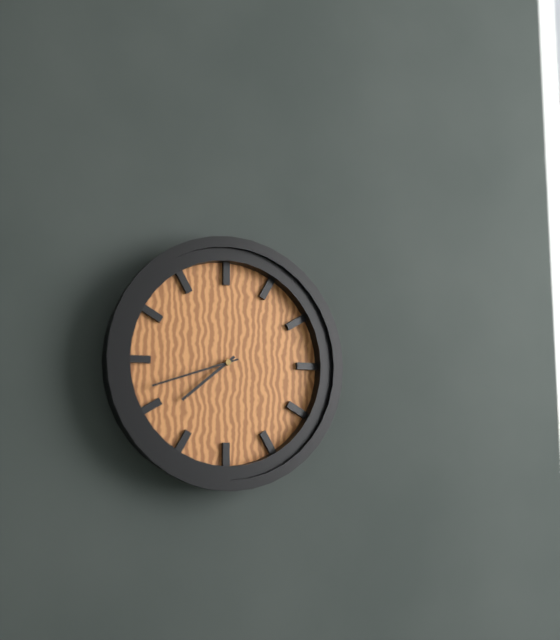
7,42
